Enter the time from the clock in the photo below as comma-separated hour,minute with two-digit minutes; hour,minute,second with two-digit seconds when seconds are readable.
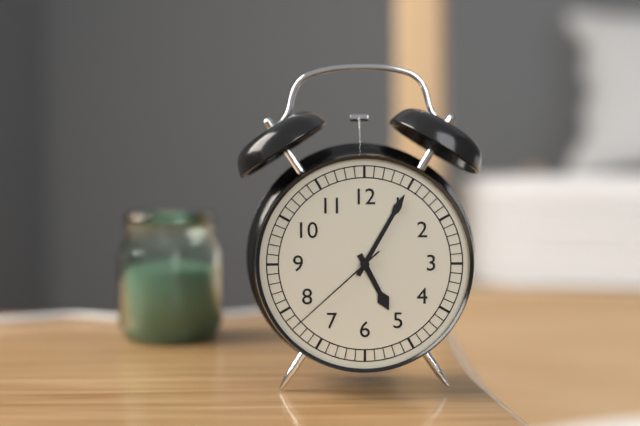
5,05,38
